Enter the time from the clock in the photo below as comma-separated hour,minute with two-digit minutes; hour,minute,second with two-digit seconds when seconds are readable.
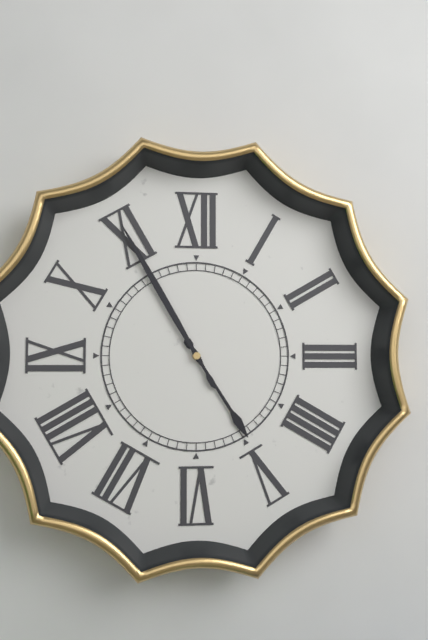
4,55
